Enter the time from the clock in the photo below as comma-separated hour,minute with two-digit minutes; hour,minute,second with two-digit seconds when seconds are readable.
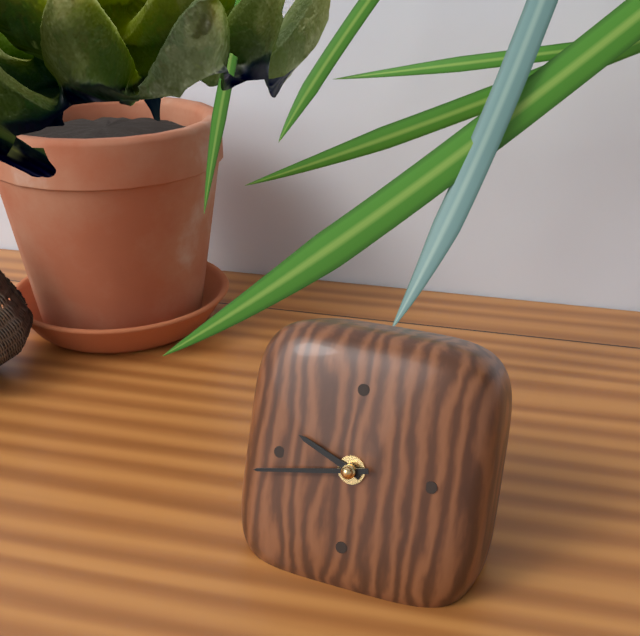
9,43
